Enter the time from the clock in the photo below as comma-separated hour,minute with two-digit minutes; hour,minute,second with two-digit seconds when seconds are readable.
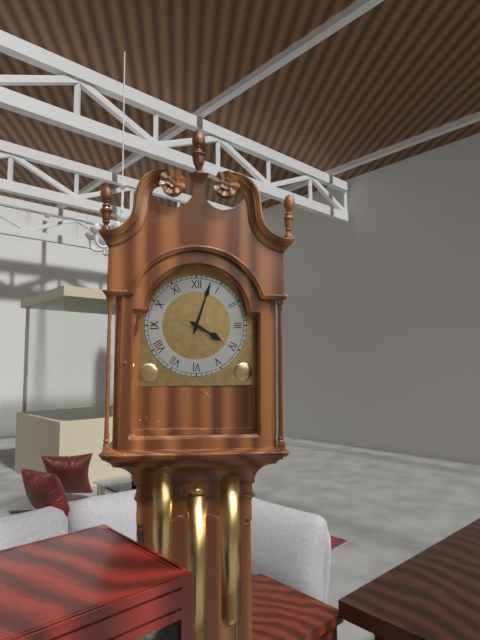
4,03
